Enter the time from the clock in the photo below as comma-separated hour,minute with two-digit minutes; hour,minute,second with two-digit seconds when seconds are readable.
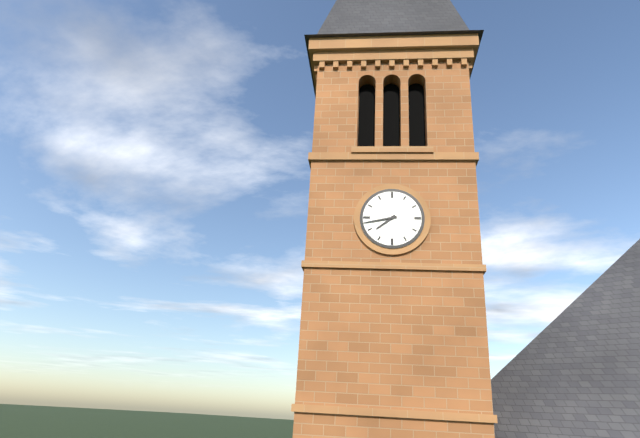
7,43
